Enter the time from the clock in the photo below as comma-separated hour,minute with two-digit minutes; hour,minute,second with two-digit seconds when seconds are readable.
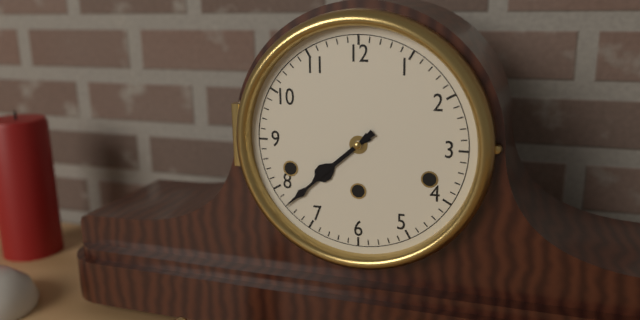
7,38
